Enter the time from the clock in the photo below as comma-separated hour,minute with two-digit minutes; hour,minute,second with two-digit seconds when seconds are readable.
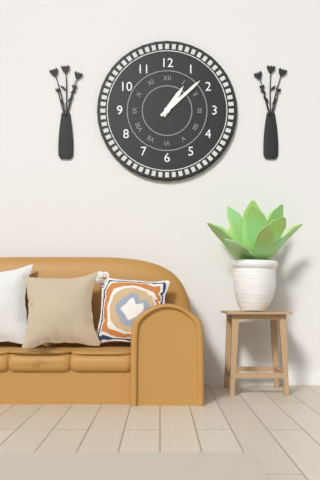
1,08
